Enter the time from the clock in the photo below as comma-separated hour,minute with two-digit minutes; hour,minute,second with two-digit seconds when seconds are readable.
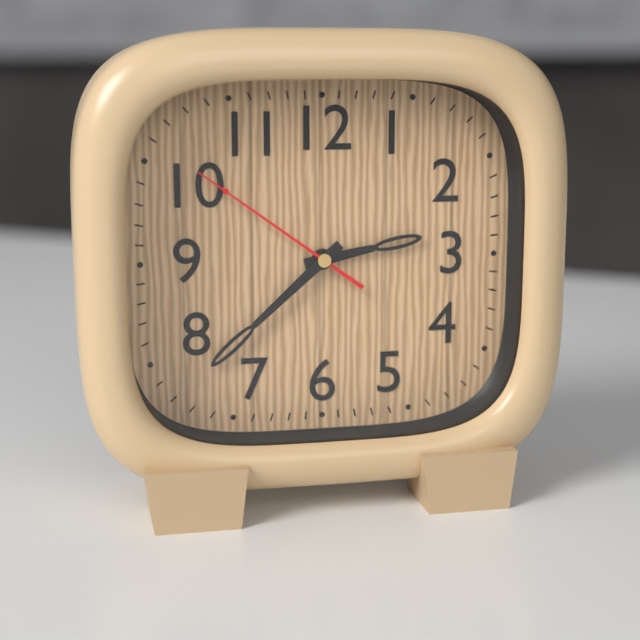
2,38,51
